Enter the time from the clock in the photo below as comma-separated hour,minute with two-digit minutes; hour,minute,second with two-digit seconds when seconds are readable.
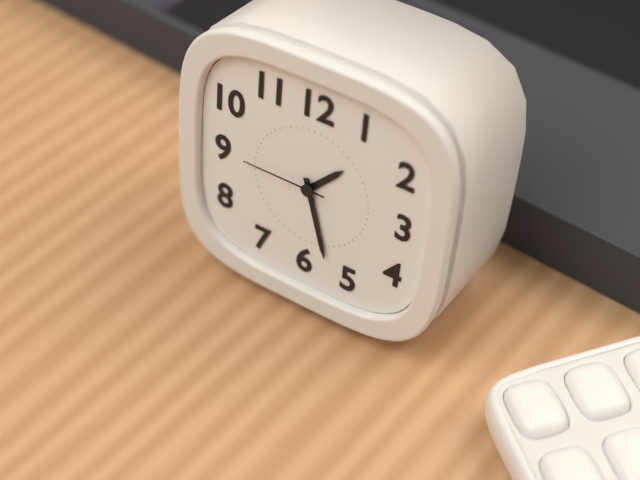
1,27,45
